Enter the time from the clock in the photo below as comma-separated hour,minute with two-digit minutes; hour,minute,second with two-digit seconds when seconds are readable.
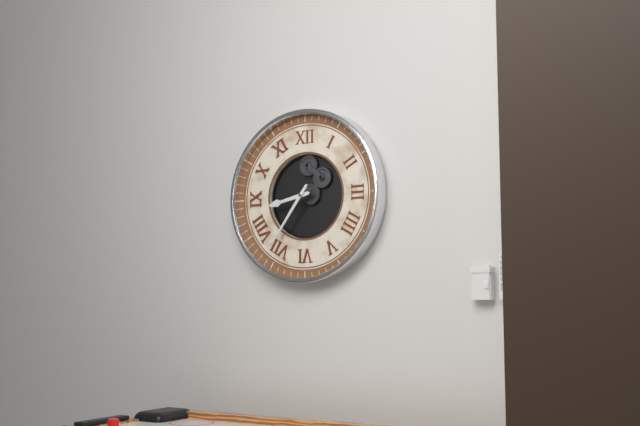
8,36
